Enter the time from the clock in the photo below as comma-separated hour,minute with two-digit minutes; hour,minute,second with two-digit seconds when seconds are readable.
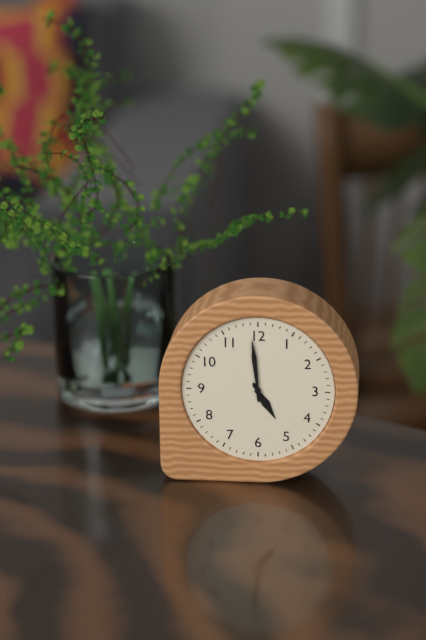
4,59
